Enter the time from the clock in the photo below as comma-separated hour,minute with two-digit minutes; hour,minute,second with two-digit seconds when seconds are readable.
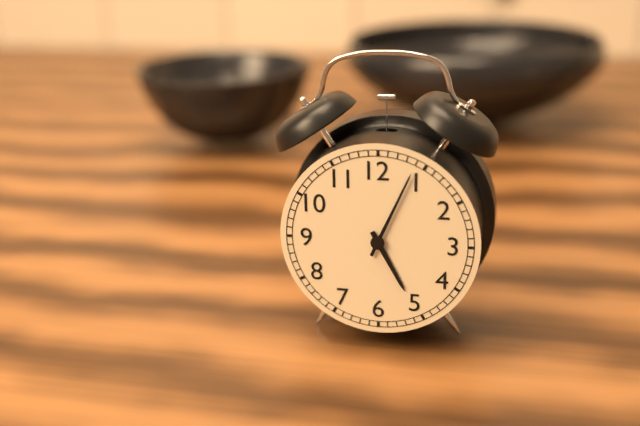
5,04
